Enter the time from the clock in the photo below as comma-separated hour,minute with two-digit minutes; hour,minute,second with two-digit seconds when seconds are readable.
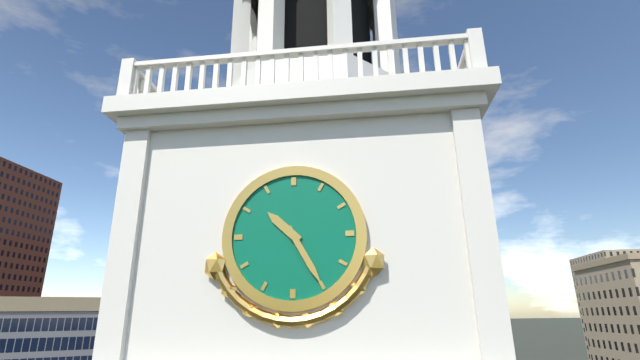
10,25
